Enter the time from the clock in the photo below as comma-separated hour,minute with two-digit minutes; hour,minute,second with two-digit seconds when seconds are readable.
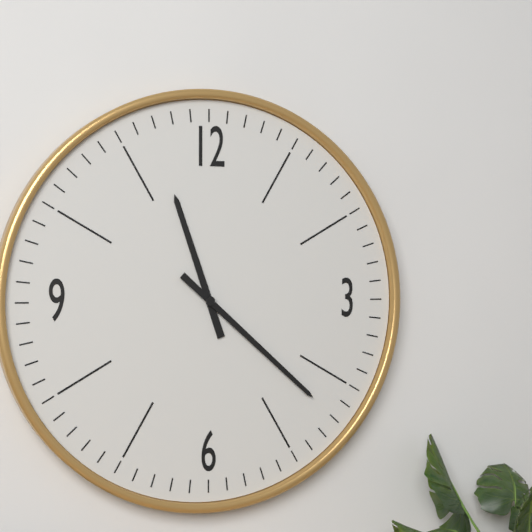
11,22
